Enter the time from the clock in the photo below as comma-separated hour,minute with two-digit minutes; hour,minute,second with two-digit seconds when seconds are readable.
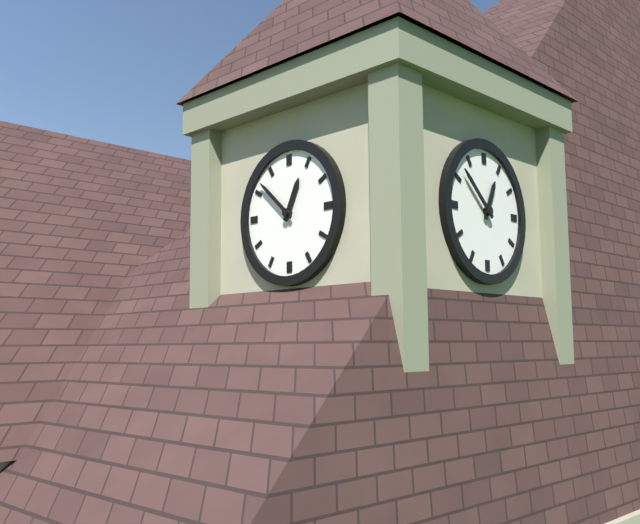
12,52
